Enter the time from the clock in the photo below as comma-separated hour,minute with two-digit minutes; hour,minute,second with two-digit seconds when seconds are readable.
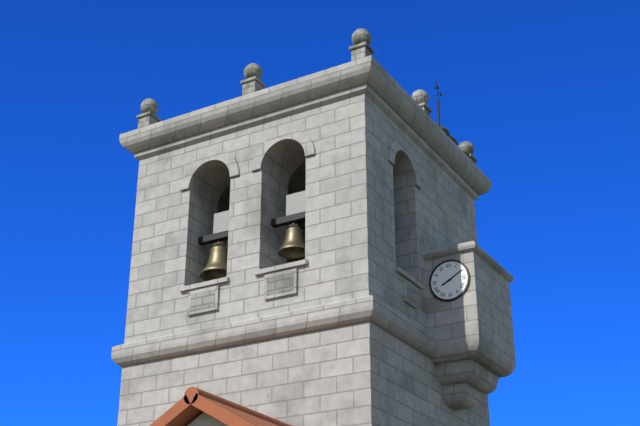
8,10
